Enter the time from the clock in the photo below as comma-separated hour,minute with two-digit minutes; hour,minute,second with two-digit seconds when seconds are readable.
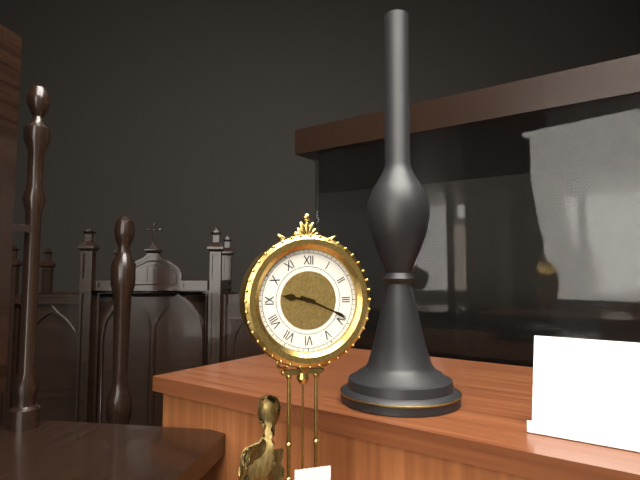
9,19
